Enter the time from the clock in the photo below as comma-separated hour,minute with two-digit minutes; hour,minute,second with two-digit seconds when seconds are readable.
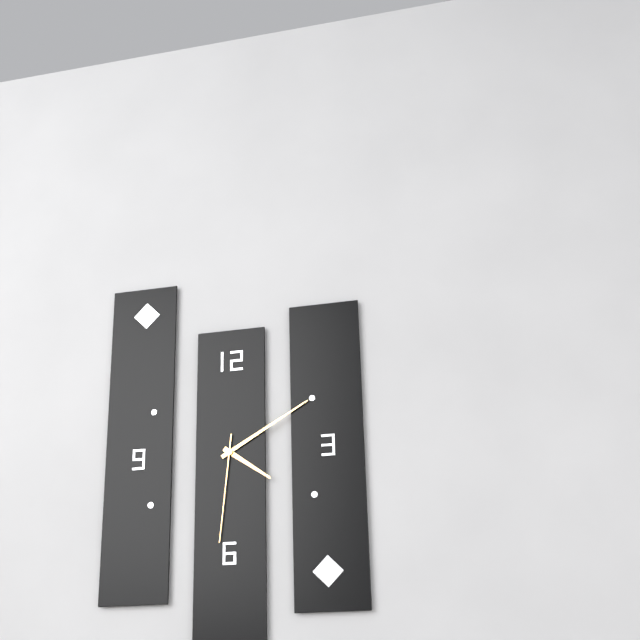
4,10,31
